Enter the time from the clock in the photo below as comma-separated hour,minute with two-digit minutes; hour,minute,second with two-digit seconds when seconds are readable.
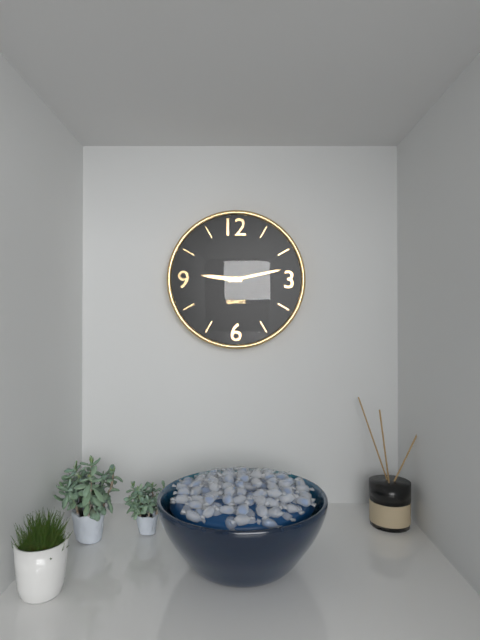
9,13
